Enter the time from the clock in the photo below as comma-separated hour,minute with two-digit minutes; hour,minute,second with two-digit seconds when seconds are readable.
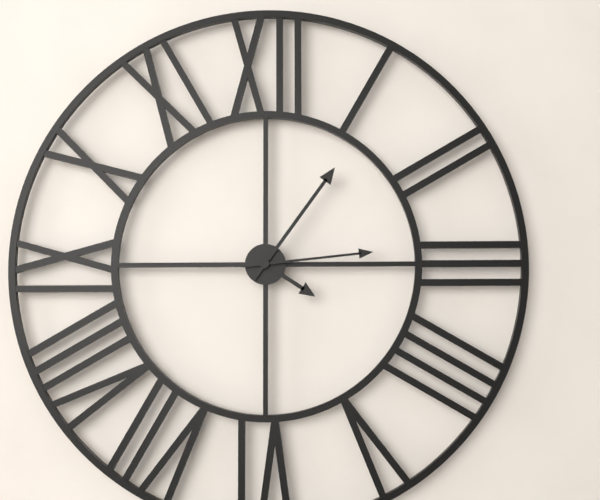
4,06,14
